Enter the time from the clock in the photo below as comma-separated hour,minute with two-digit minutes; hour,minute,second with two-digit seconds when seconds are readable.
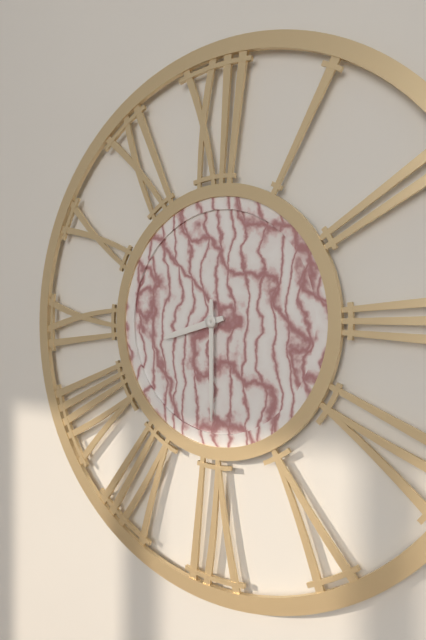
8,30
